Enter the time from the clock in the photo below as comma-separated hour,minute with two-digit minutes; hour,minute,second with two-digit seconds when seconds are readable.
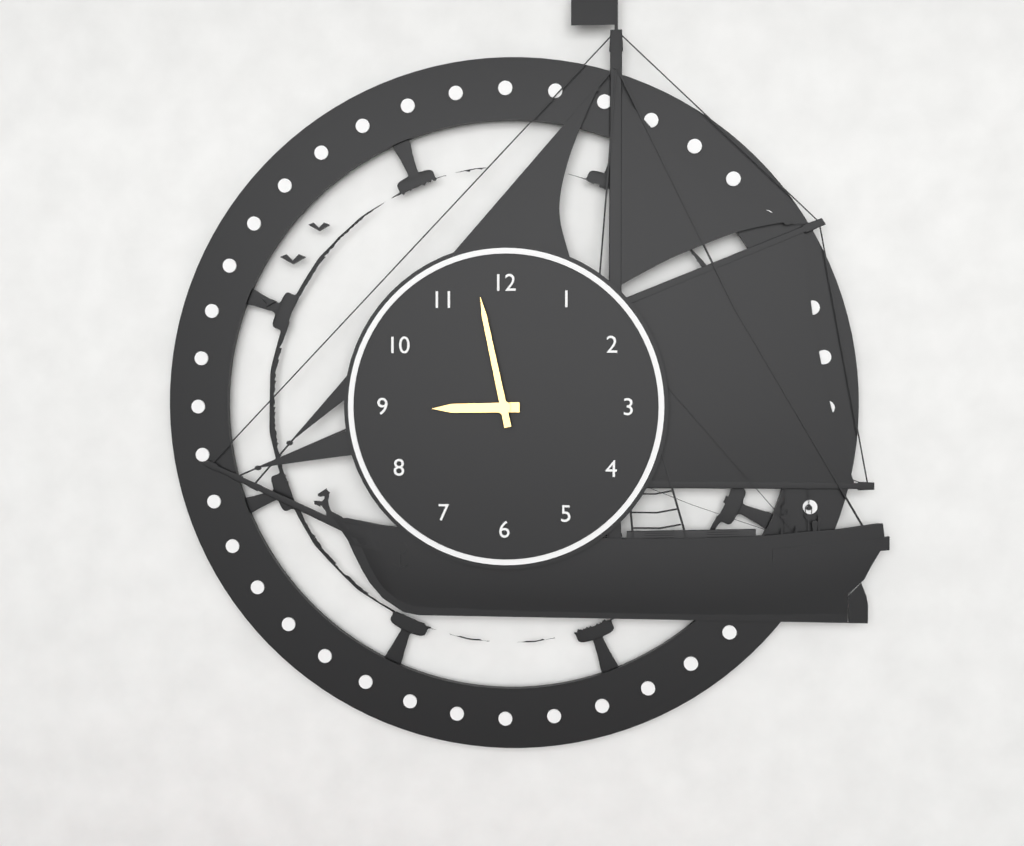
8,58
